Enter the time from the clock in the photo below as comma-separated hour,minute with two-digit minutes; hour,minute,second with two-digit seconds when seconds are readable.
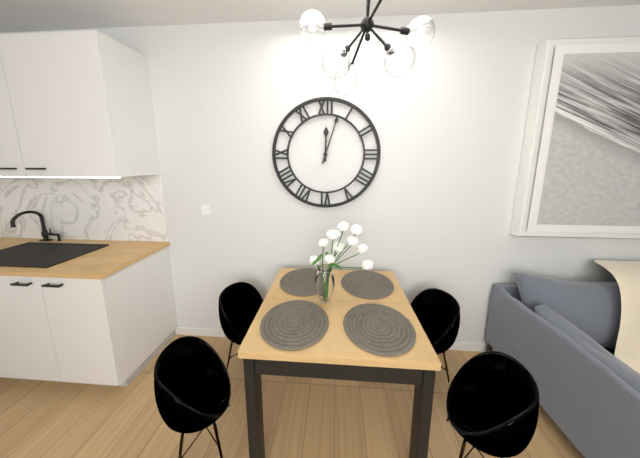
12,03
